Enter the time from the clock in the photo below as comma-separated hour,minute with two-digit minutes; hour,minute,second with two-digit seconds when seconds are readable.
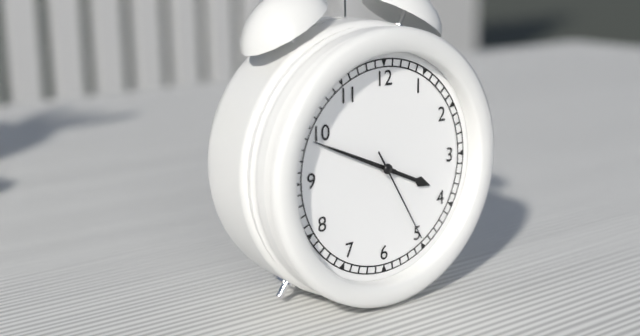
3,49,25
